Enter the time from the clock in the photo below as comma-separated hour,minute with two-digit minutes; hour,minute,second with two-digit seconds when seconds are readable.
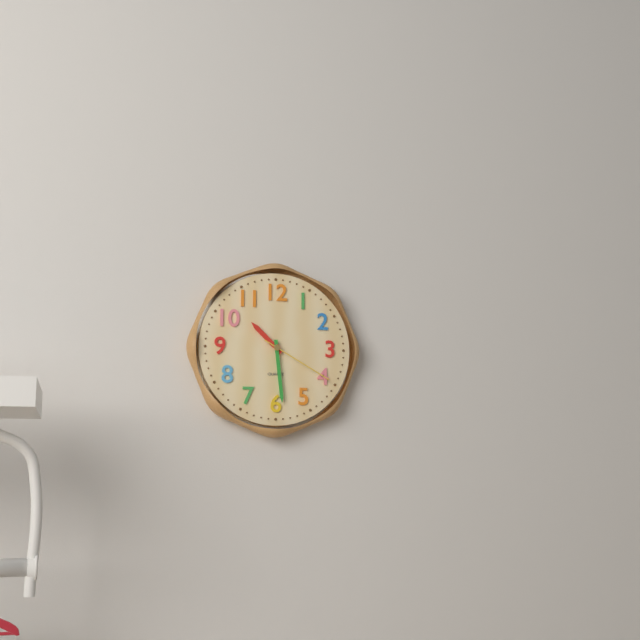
10,29,20
